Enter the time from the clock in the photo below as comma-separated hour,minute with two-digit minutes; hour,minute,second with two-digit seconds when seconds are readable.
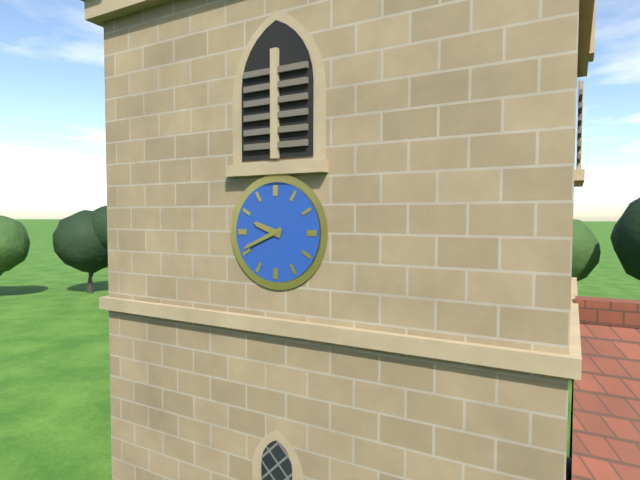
9,41
